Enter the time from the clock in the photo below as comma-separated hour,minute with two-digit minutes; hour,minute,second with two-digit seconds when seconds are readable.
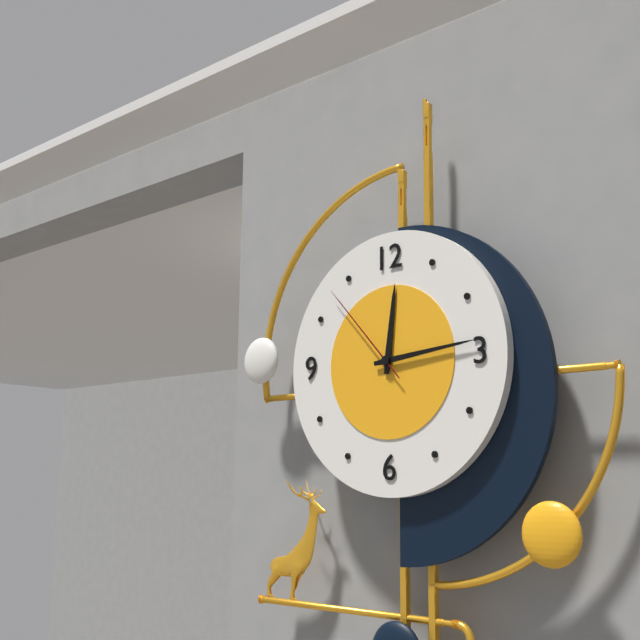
12,14,53
